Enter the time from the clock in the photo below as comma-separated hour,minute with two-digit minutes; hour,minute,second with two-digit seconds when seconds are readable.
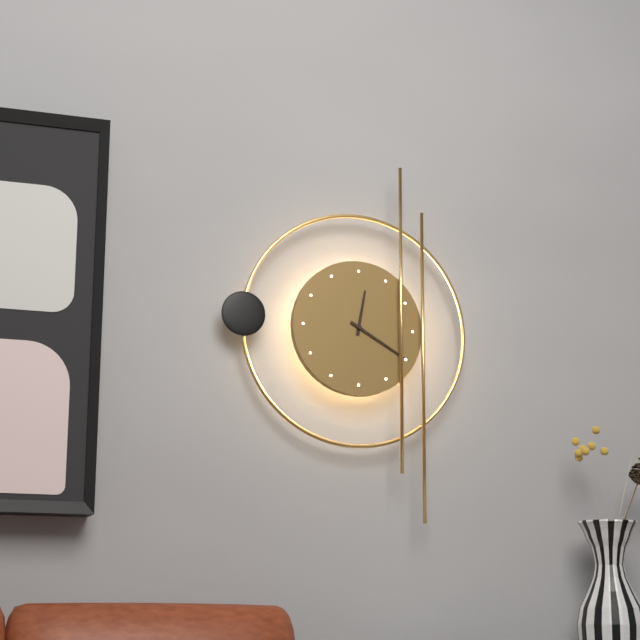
12,20
